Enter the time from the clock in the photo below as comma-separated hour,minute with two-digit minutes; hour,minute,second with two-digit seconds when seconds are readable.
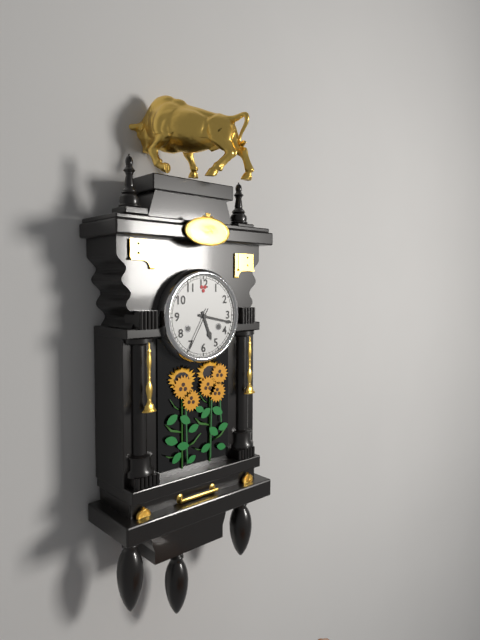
5,17
